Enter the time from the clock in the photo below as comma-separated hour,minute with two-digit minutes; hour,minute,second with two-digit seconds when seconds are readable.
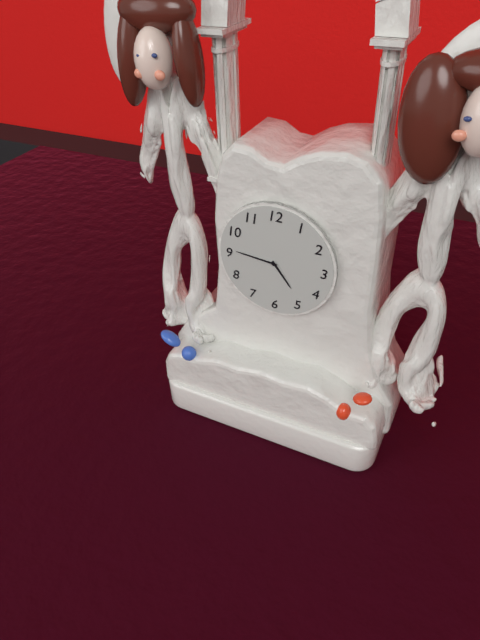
4,46
